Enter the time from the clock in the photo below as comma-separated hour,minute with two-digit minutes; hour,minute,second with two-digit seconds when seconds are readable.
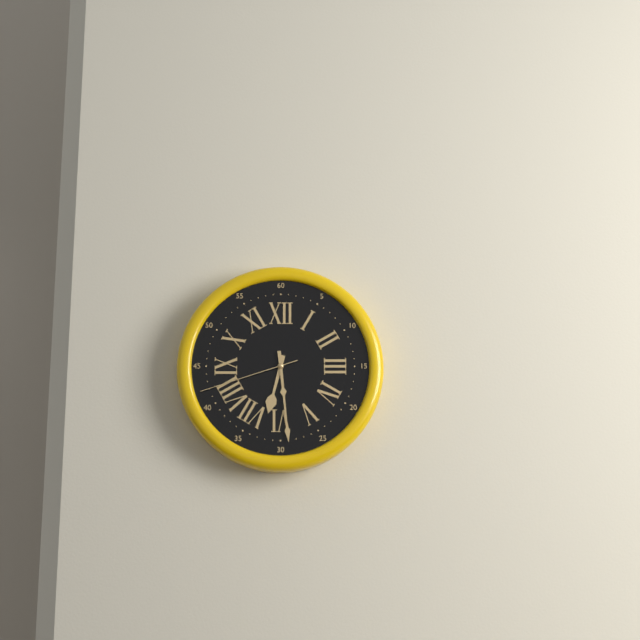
6,29,42
